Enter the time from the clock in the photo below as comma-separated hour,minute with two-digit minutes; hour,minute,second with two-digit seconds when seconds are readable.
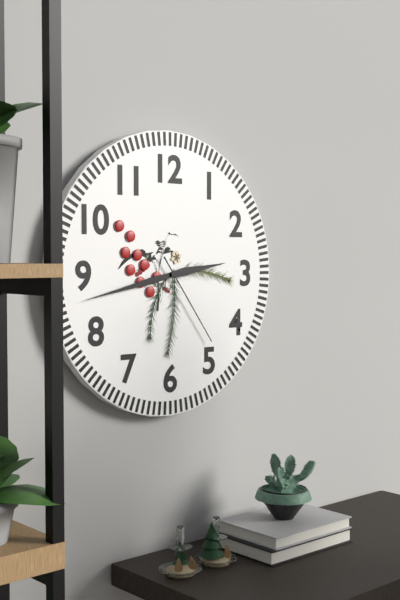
2,43,24
